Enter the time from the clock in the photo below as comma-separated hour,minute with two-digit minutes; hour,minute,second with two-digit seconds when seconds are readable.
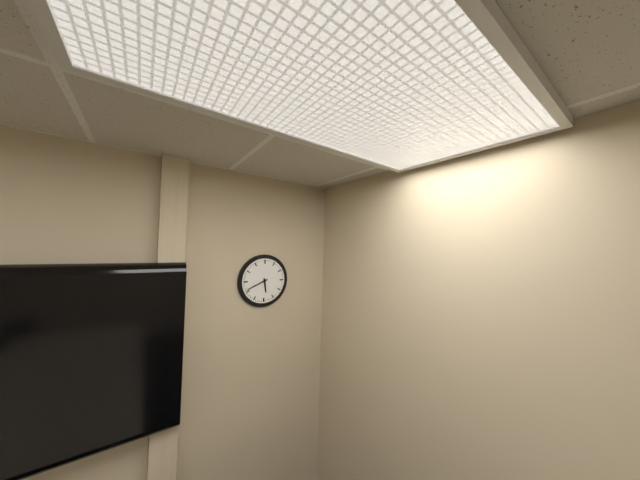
5,41
